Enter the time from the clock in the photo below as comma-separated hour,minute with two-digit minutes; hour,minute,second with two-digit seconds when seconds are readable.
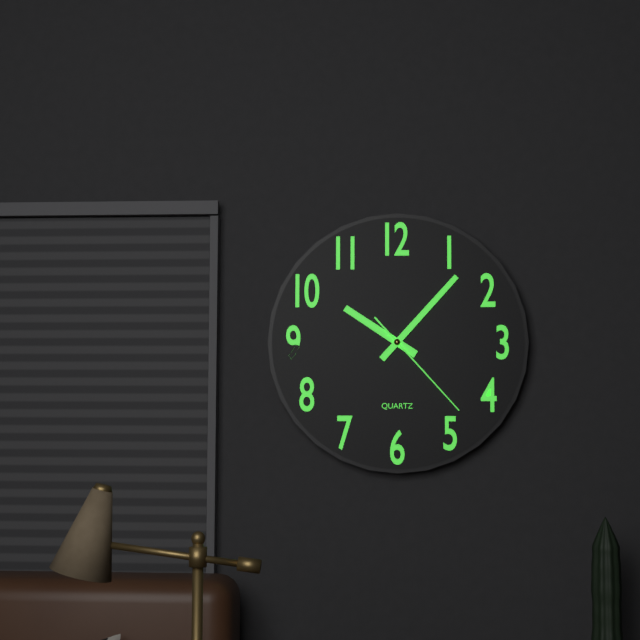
10,07,23
